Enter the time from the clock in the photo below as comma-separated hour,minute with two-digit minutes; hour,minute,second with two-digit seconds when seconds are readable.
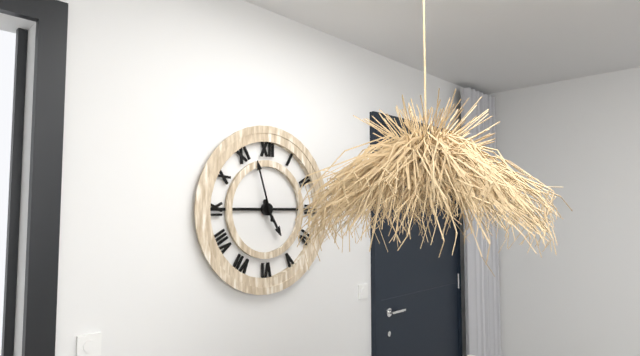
4,57
